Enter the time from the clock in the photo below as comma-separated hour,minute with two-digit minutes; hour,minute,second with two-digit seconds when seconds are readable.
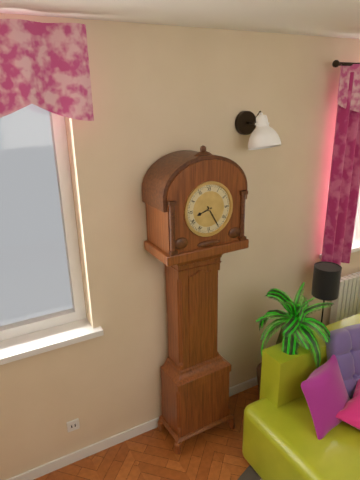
8,25
